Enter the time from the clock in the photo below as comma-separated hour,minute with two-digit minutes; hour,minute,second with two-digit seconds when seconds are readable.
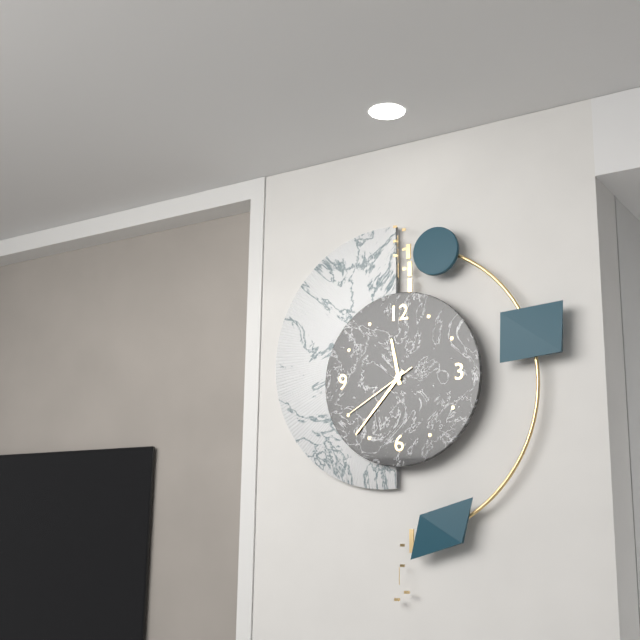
11,37,40
